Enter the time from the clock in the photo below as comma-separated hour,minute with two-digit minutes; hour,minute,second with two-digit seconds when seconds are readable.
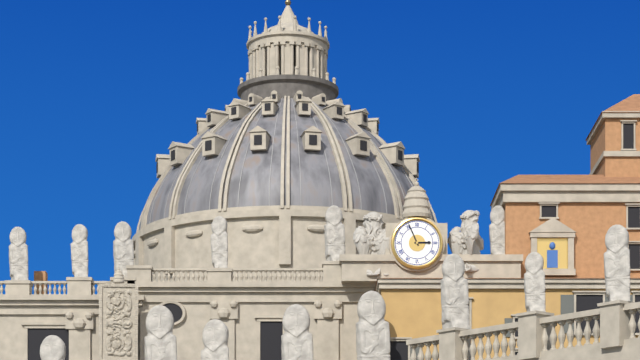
2,56
